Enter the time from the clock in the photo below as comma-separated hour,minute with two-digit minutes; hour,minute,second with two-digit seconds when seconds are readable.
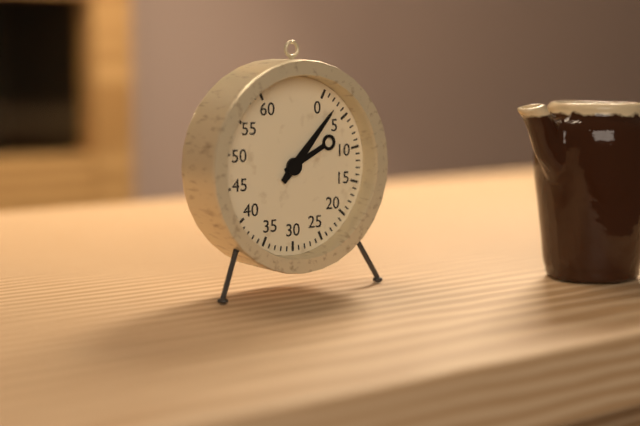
2,07
